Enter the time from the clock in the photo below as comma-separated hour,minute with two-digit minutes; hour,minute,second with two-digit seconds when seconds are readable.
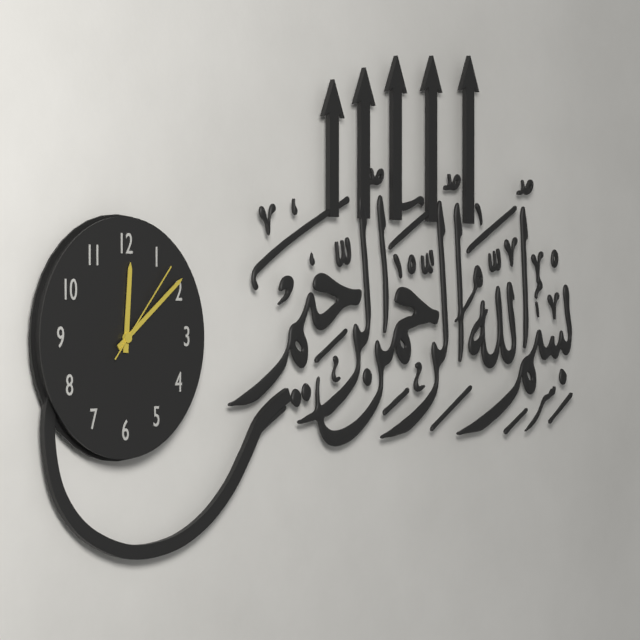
12,09,07
